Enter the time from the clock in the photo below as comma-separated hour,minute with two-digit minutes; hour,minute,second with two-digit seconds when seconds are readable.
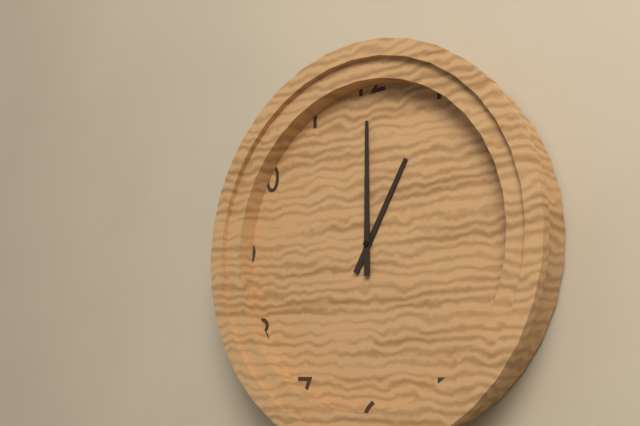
1,00
